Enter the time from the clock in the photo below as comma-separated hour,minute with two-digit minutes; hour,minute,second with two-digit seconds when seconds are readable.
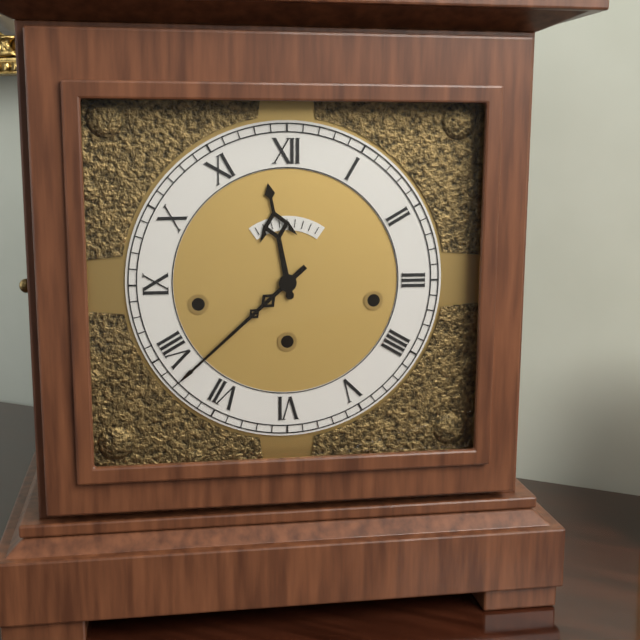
11,38
